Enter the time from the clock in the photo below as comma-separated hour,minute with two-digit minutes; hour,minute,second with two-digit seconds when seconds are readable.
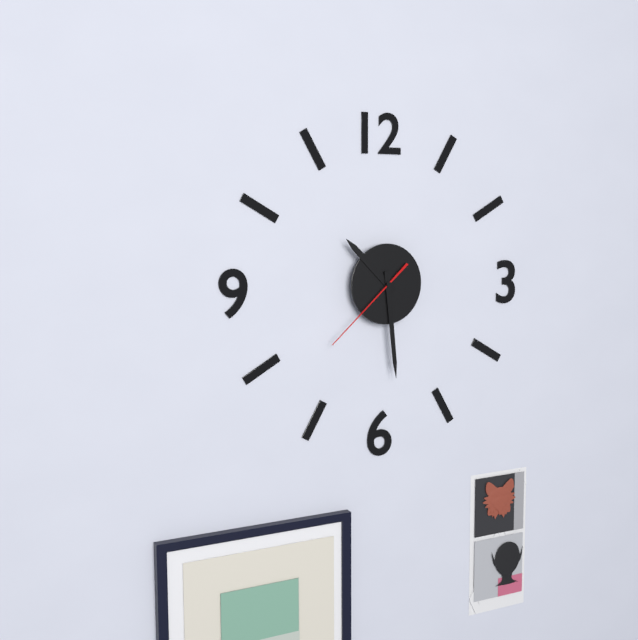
10,29,38
